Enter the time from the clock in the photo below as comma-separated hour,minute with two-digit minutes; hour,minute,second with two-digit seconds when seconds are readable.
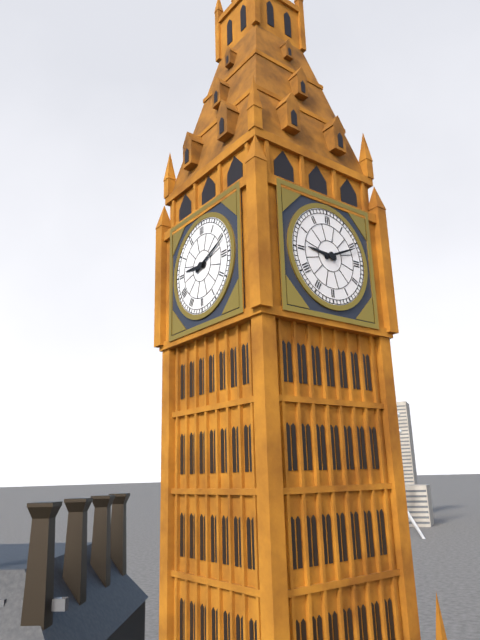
9,11
